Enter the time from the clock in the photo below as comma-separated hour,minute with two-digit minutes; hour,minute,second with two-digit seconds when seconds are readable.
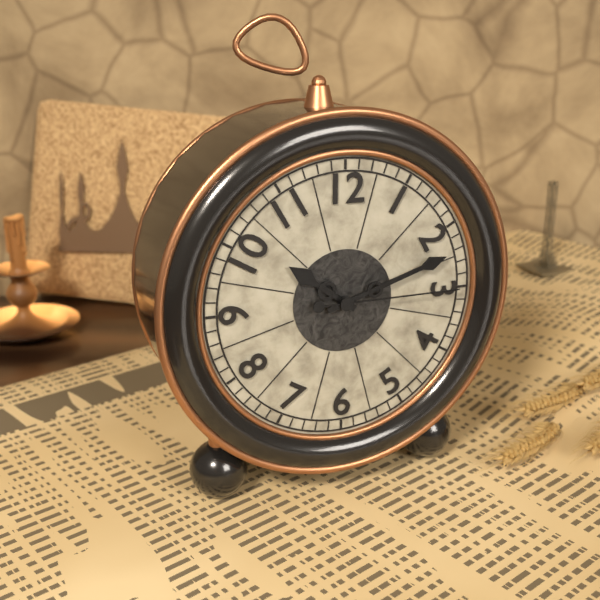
10,12,15
